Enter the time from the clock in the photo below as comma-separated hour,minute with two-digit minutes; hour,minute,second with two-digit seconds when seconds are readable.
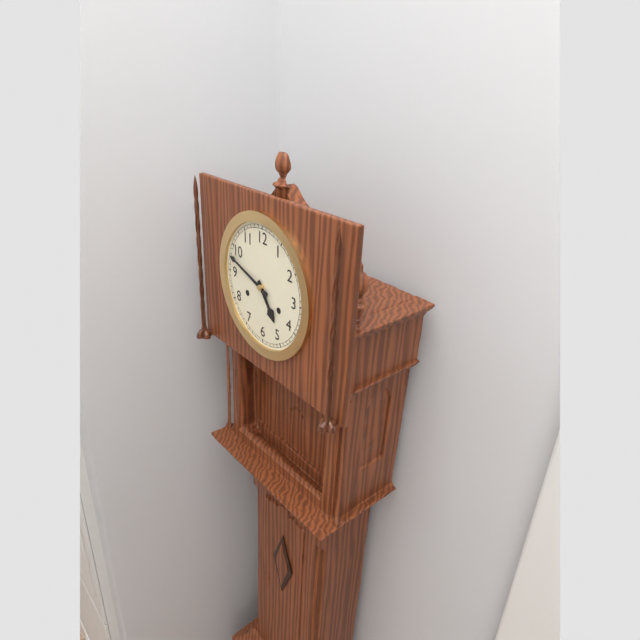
4,48
